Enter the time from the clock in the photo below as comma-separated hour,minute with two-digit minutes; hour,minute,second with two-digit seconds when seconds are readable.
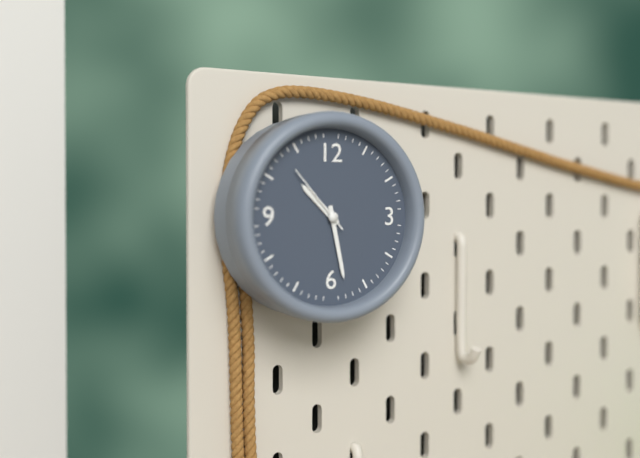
10,28,53
